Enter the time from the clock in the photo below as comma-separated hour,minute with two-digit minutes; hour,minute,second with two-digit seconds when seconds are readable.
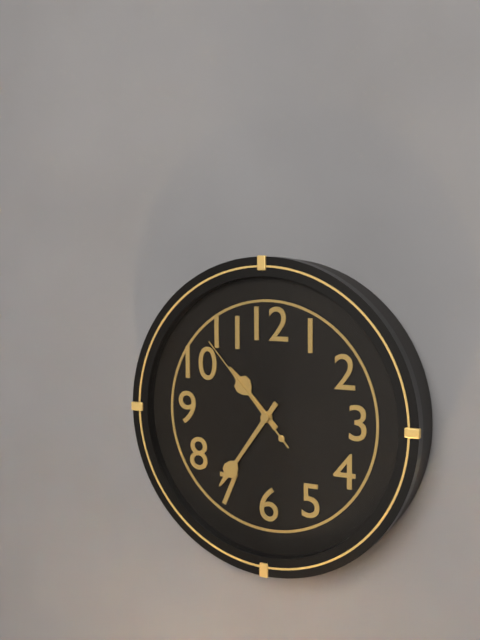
10,36,53
